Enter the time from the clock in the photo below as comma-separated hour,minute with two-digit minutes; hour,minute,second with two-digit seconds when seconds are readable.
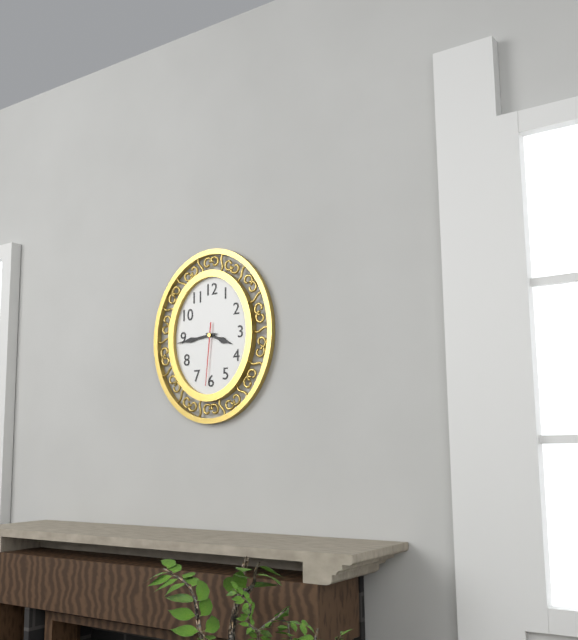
3,44,31
